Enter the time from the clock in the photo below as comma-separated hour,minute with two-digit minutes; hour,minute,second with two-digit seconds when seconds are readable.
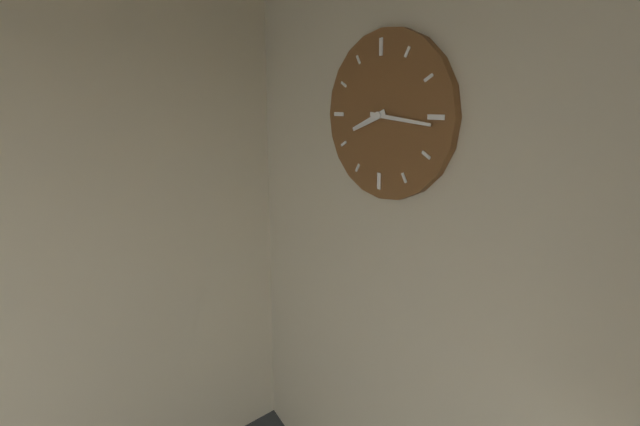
8,16
